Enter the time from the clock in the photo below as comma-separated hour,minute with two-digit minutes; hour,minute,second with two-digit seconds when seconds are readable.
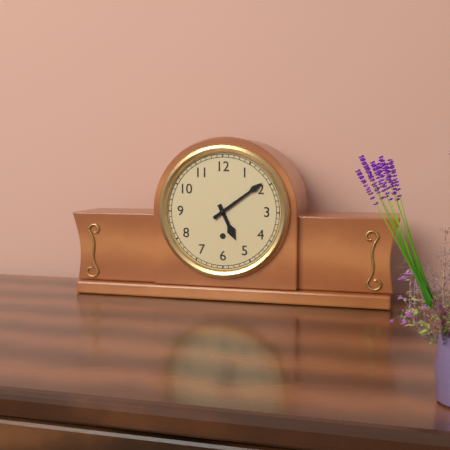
5,09
